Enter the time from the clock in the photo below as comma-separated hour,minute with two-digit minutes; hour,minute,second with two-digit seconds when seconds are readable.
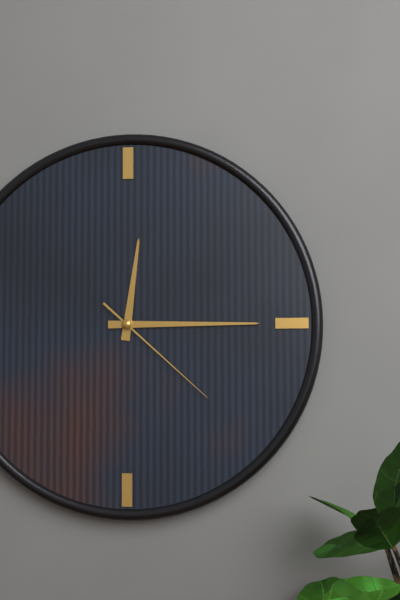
12,15,22
